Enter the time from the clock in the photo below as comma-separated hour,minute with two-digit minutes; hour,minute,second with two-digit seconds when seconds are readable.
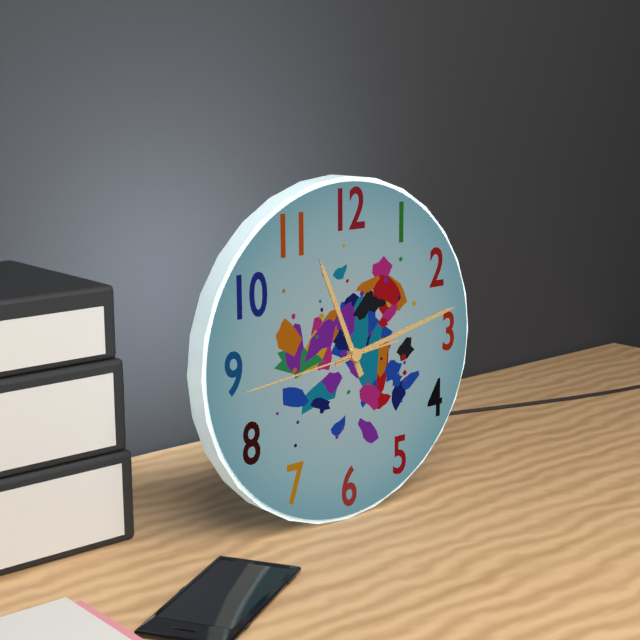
11,13,44
